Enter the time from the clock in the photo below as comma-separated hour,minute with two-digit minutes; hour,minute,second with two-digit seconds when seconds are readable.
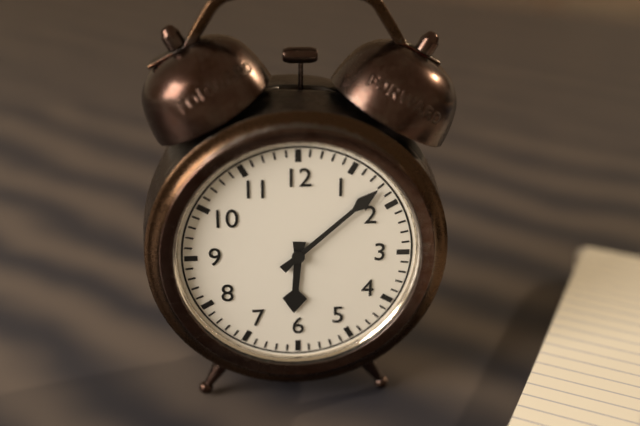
6,08
